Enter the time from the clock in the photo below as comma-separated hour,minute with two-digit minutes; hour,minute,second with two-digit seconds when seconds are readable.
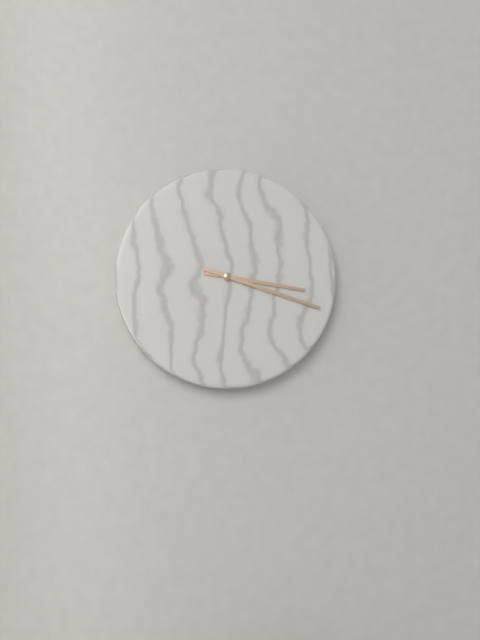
3,18
